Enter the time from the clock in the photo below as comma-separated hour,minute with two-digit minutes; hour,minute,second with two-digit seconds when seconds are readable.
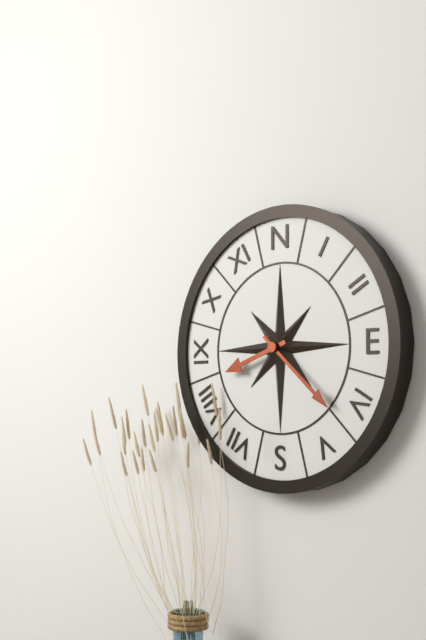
8,22
